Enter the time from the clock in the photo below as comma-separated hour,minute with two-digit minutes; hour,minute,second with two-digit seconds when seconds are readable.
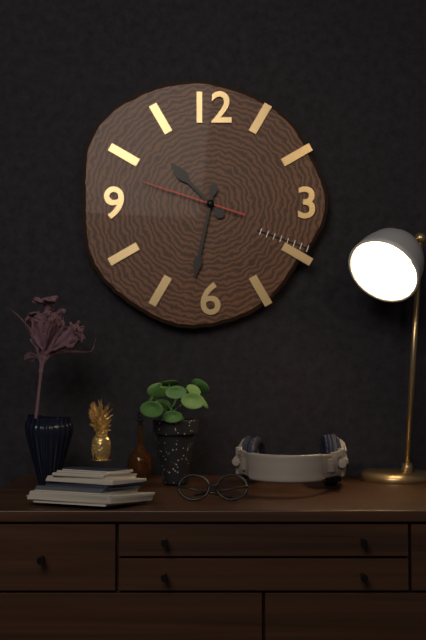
10,32,48
